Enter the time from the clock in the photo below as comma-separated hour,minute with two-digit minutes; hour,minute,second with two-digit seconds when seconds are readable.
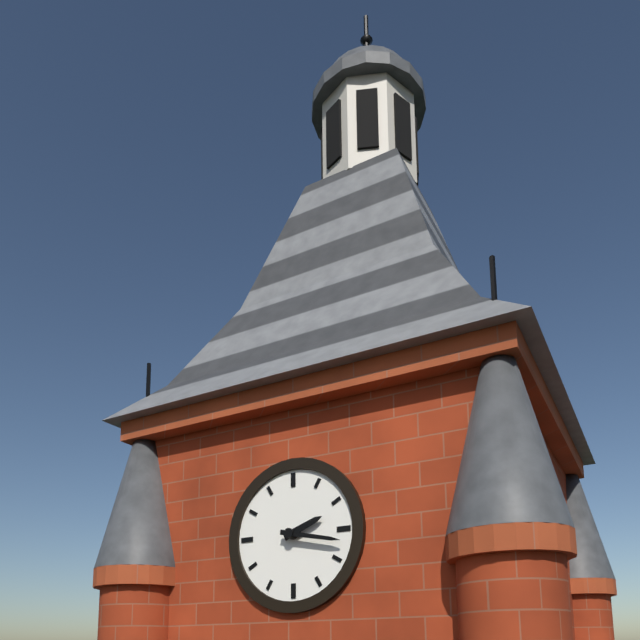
2,17
